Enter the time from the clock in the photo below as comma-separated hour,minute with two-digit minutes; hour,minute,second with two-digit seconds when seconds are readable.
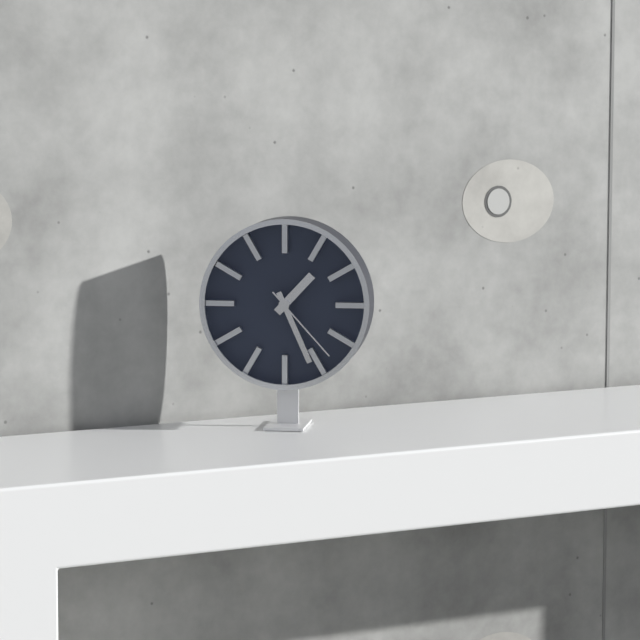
1,26,23
